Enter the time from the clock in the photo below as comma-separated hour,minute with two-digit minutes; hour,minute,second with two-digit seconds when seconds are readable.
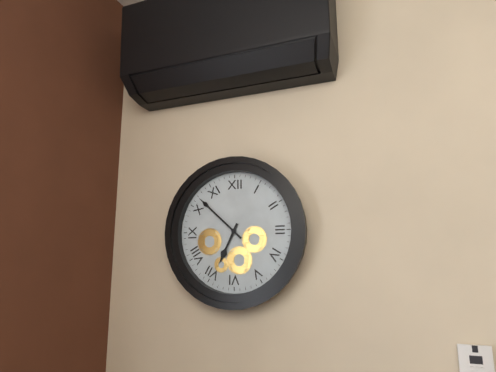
6,52
